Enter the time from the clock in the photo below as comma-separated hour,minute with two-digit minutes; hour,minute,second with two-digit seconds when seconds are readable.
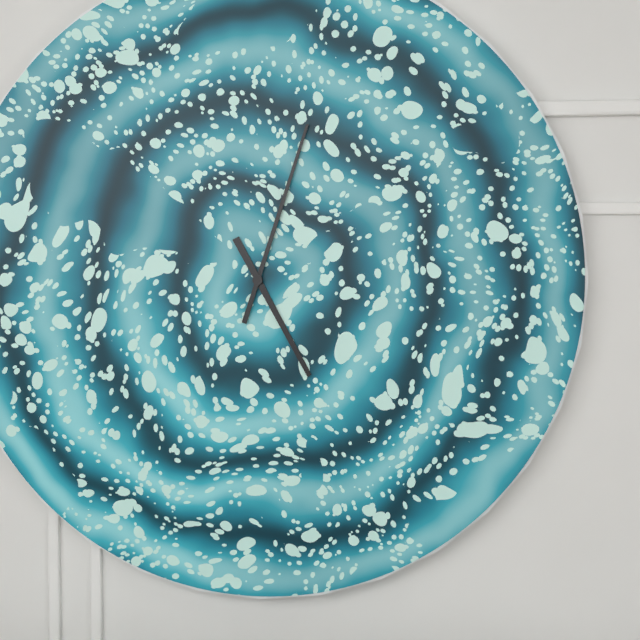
5,03
